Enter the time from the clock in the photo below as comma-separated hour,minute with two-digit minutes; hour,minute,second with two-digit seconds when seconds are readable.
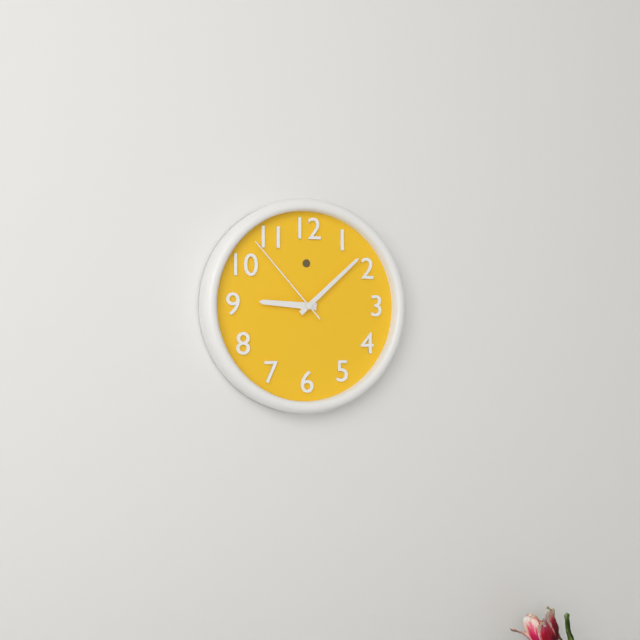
9,08,53
